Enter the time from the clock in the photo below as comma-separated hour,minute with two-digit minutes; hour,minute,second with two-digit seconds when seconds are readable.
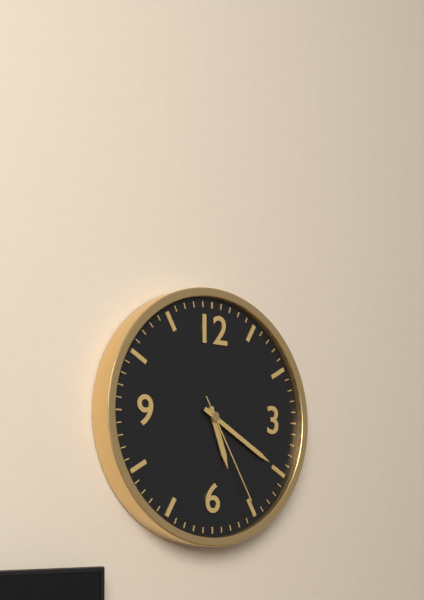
5,20,25
